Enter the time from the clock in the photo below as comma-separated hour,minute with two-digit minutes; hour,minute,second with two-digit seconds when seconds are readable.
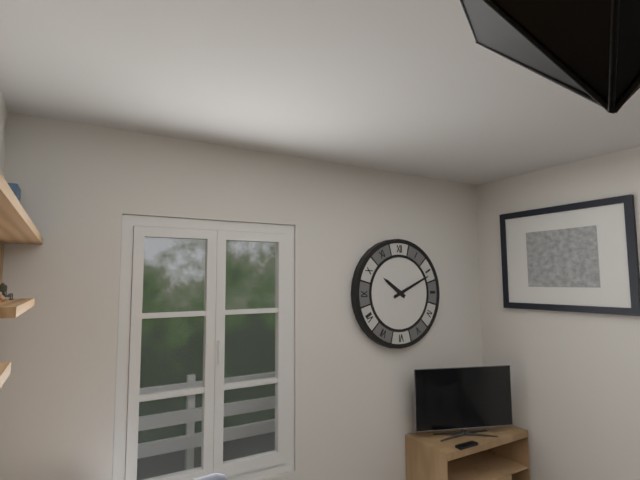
10,11
